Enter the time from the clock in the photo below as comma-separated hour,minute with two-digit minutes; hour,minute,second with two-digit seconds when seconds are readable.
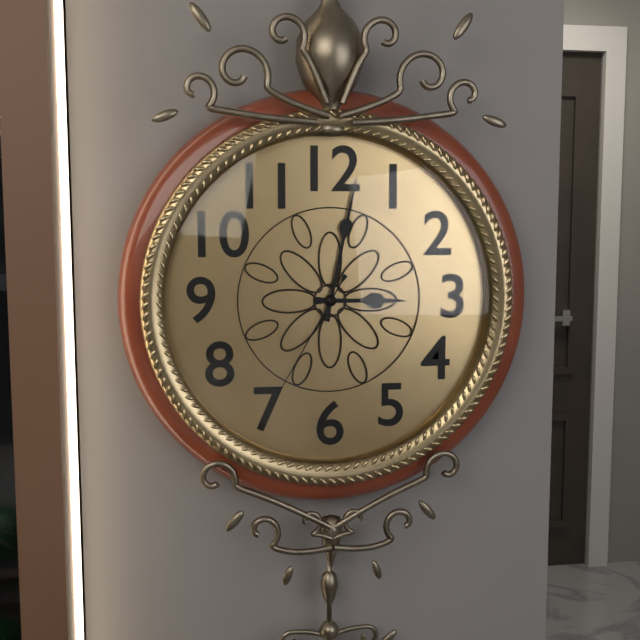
3,02,35
